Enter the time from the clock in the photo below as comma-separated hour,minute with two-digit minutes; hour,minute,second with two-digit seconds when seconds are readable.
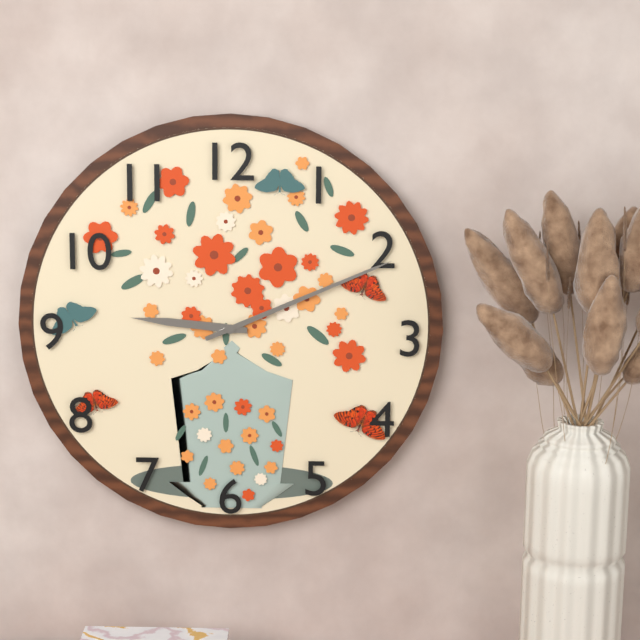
9,11
